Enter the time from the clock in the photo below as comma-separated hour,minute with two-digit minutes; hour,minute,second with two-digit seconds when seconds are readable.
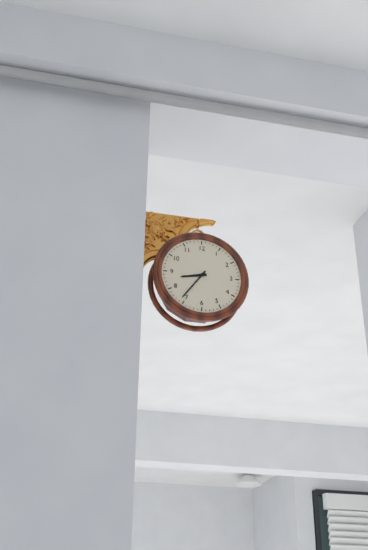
8,36
